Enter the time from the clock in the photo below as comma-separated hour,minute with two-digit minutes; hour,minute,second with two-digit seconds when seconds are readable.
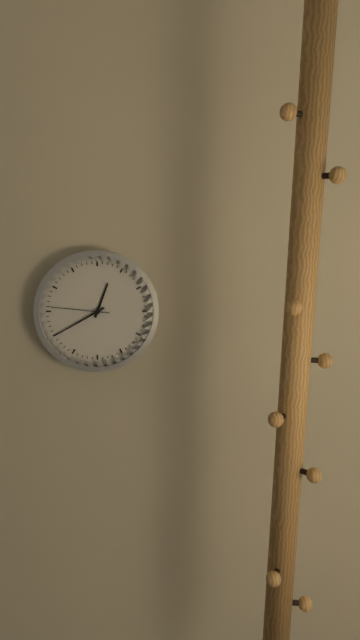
12,40,46
